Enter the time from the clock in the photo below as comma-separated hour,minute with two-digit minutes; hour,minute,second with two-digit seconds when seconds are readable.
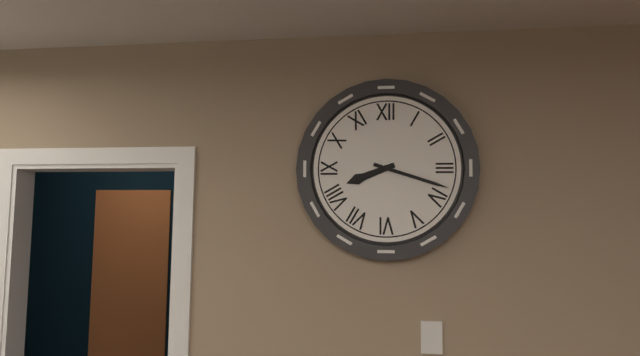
8,18
